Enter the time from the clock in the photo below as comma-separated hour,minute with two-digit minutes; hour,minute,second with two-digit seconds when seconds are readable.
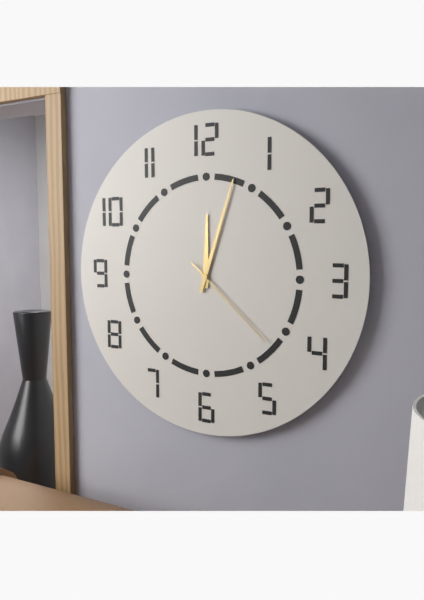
12,03,22
